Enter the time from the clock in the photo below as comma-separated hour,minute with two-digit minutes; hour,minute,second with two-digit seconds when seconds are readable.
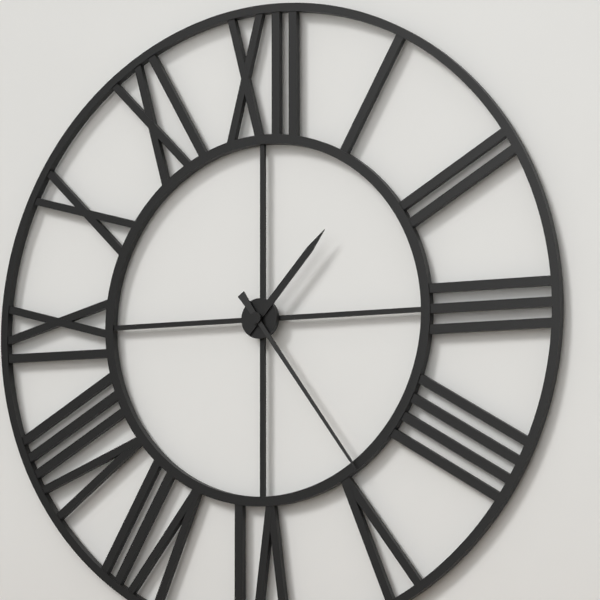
1,24
